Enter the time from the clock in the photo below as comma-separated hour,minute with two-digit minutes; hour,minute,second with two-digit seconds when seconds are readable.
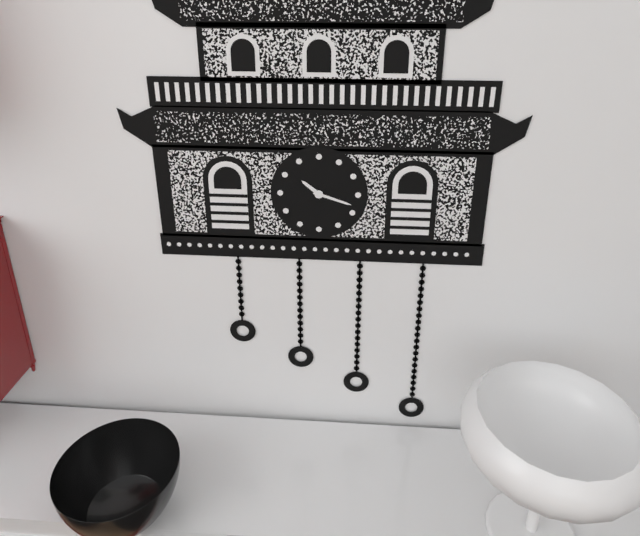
10,18
